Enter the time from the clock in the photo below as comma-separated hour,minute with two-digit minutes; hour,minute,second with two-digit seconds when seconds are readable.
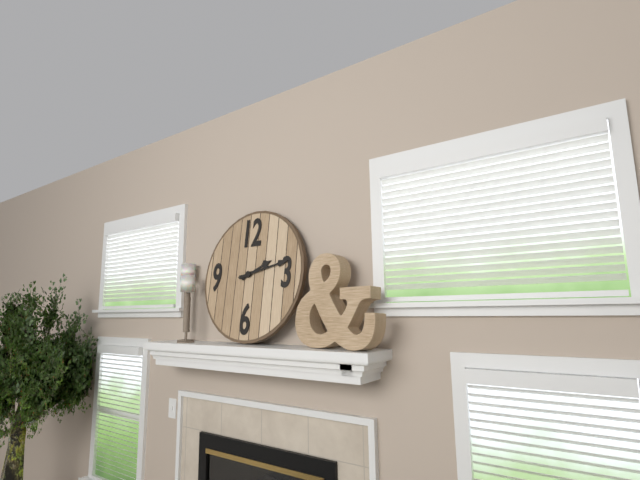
2,13
